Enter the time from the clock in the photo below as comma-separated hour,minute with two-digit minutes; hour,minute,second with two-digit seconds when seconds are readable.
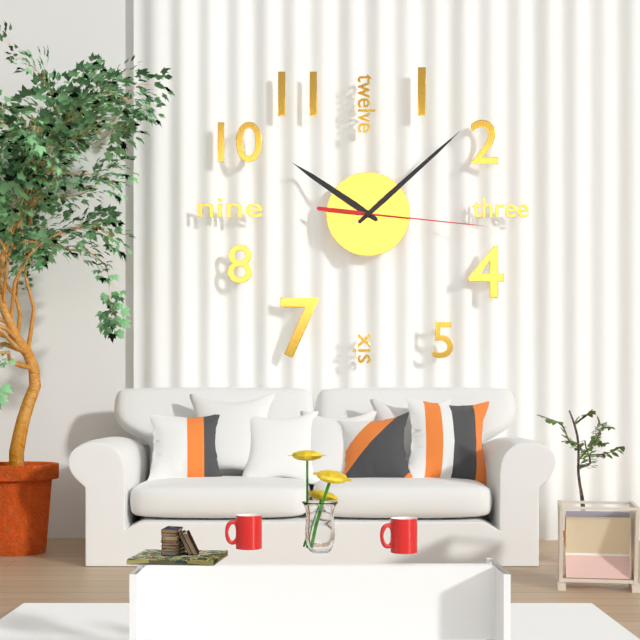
10,08,16
